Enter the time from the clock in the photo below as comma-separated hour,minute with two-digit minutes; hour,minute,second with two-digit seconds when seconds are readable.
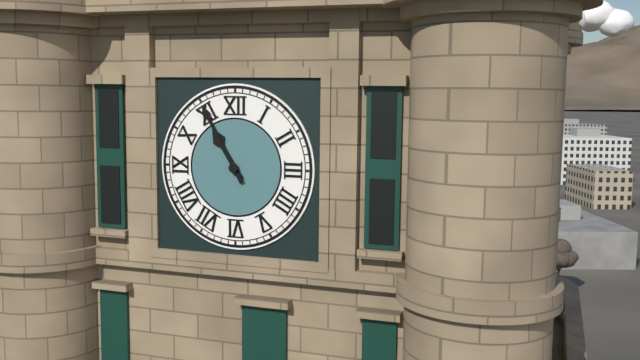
10,55
